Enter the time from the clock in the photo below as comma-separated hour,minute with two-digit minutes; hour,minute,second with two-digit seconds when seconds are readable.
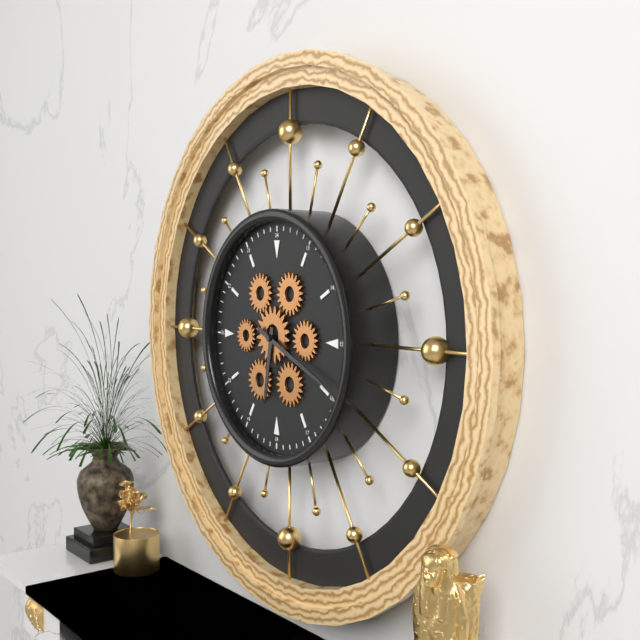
6,19
